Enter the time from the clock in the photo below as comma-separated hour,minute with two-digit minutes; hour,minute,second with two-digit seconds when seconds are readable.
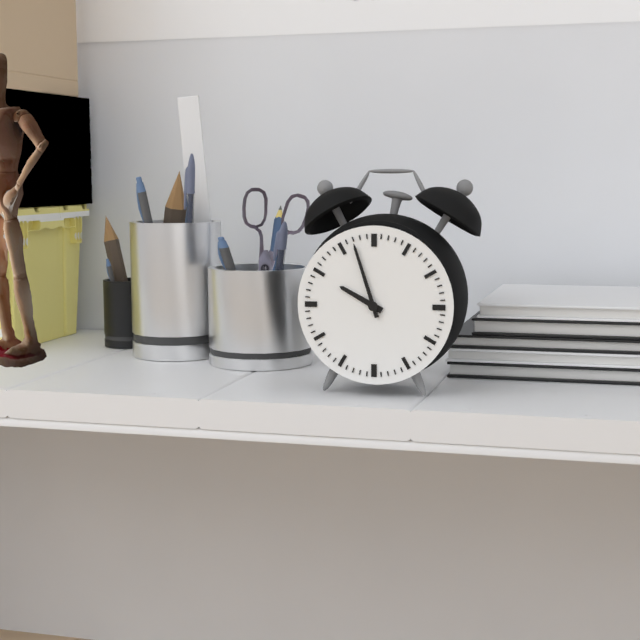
9,57
